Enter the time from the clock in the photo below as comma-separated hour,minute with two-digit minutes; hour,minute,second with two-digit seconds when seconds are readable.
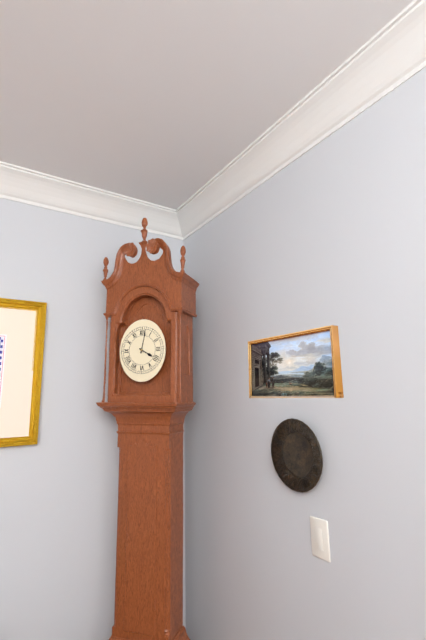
4,02
